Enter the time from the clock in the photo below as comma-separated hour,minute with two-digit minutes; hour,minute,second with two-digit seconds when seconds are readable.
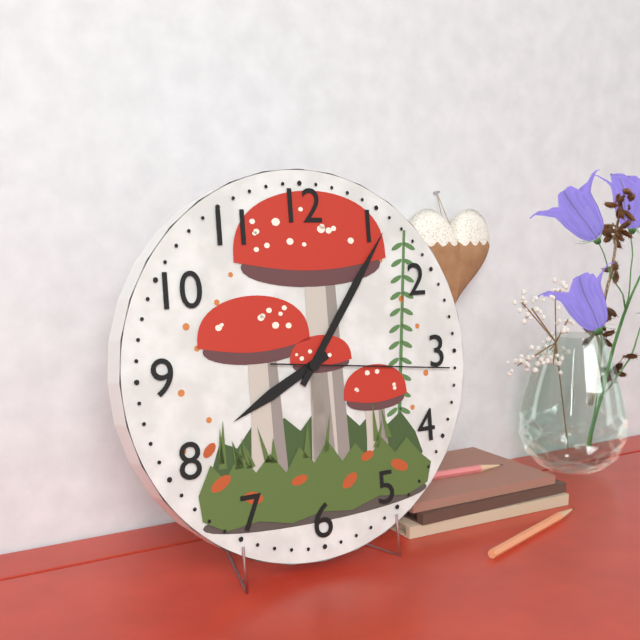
8,06,16
